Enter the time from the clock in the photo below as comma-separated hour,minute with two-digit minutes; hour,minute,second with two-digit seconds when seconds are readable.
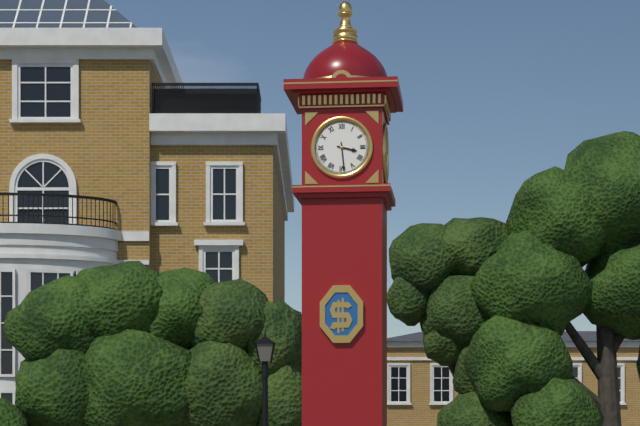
3,29
